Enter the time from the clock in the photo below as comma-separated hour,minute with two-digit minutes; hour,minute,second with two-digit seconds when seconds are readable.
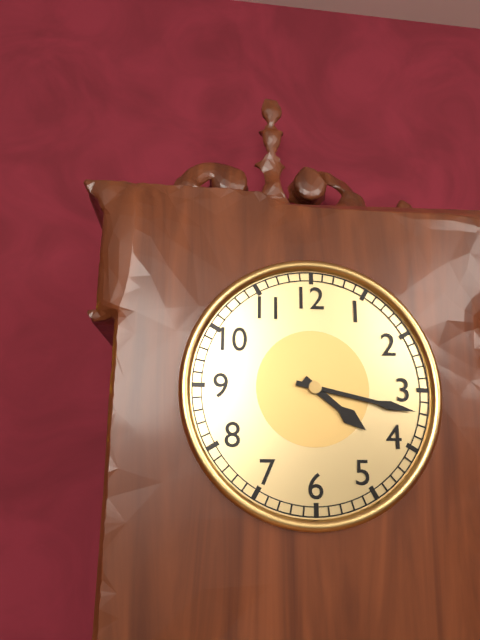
4,17
